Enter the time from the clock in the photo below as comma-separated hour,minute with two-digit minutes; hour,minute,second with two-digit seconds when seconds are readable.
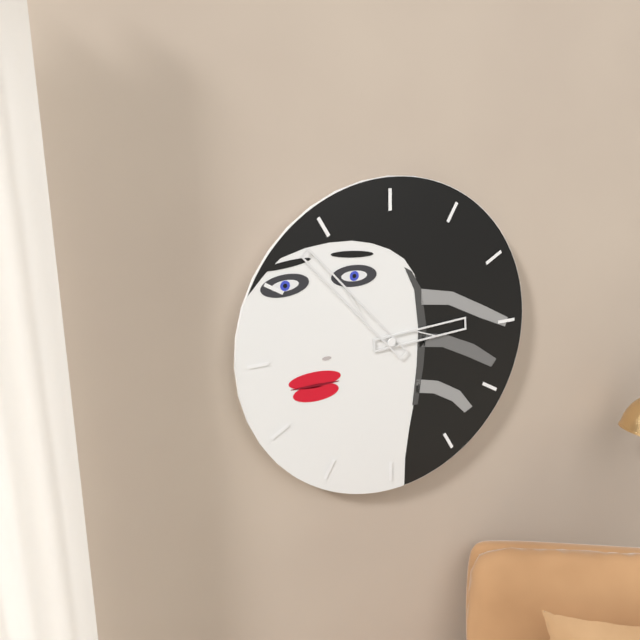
2,53
